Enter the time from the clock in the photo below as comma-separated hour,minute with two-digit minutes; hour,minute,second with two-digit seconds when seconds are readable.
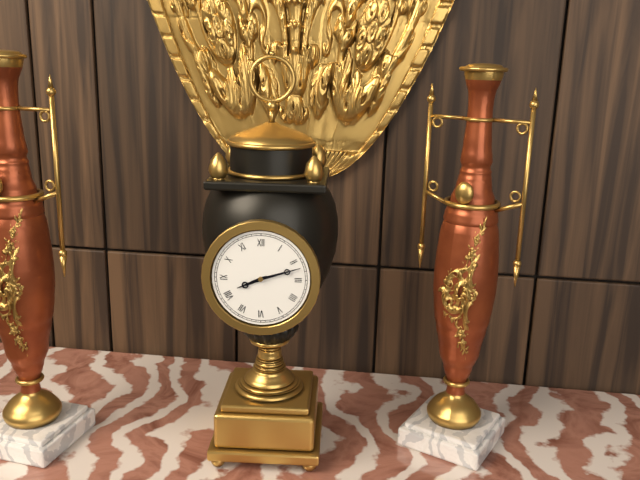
8,12
